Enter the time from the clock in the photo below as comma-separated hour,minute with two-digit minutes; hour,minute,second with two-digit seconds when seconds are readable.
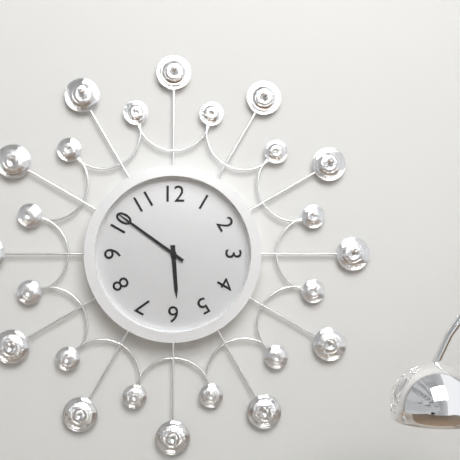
5,51
